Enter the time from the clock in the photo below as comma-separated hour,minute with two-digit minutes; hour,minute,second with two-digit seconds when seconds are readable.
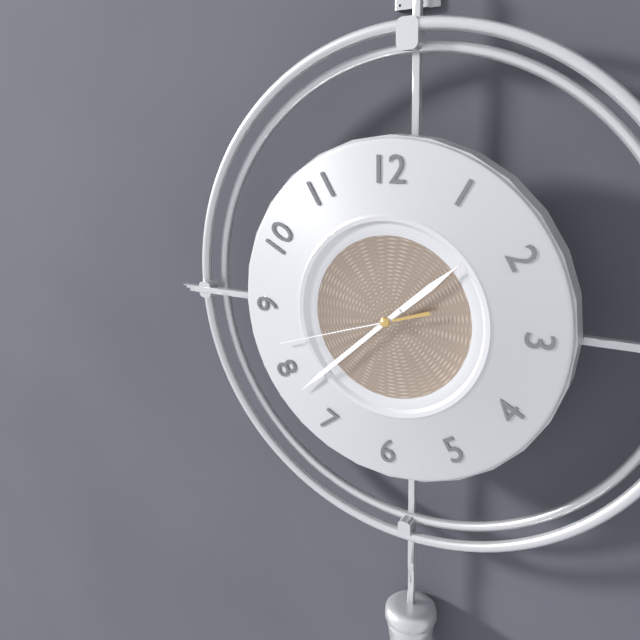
1,38,42
